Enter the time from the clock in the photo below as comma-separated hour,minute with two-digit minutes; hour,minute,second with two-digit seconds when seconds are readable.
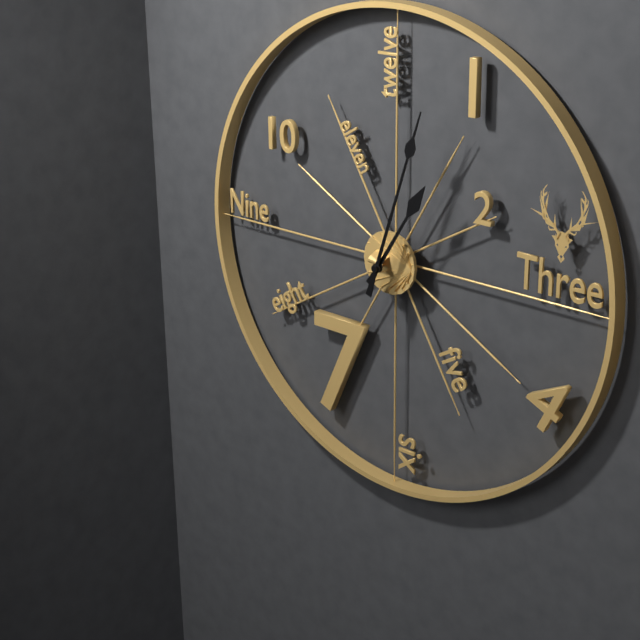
1,03
